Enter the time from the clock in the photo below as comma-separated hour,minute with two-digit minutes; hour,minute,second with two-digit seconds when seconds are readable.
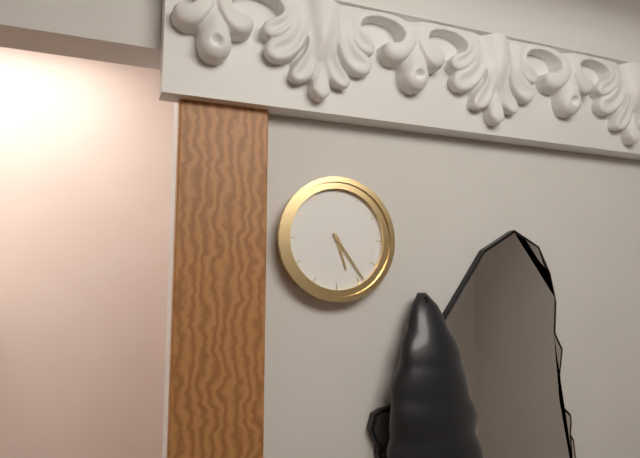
5,24
